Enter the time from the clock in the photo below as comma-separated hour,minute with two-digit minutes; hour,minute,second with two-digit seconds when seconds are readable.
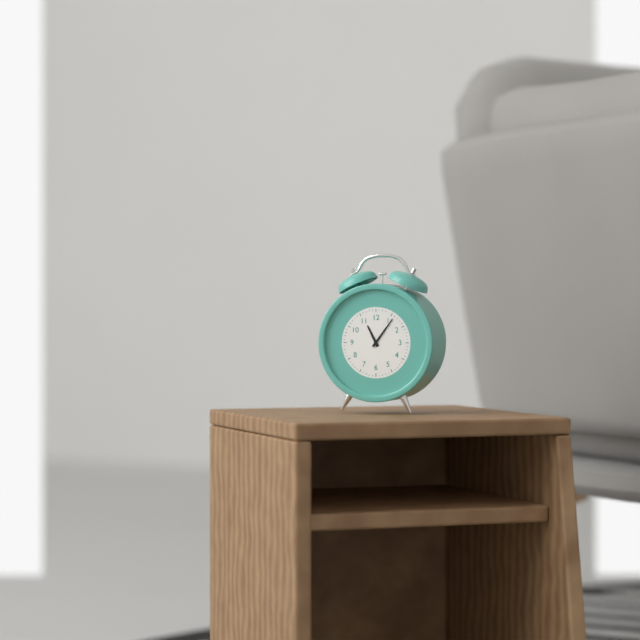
11,06
